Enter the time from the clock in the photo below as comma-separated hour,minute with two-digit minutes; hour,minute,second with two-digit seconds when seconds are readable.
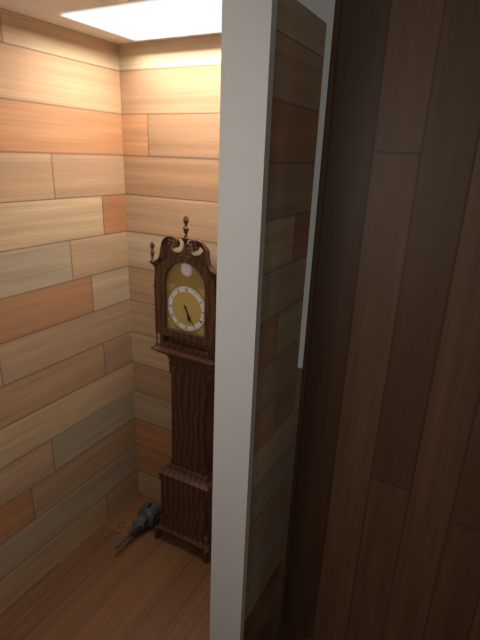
5,25
